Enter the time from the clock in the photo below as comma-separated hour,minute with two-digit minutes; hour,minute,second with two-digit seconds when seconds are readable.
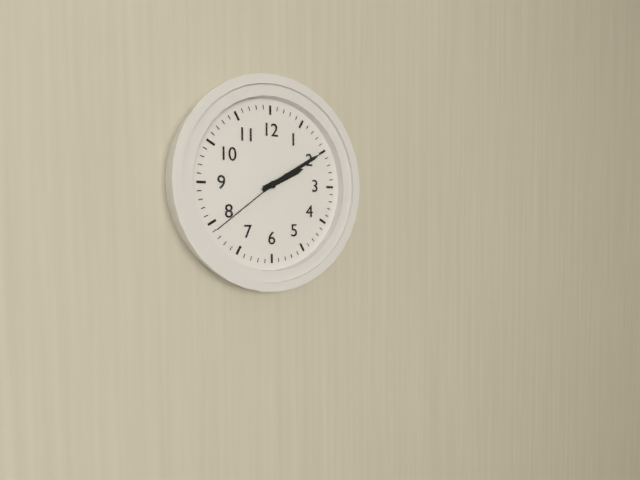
2,10,39
